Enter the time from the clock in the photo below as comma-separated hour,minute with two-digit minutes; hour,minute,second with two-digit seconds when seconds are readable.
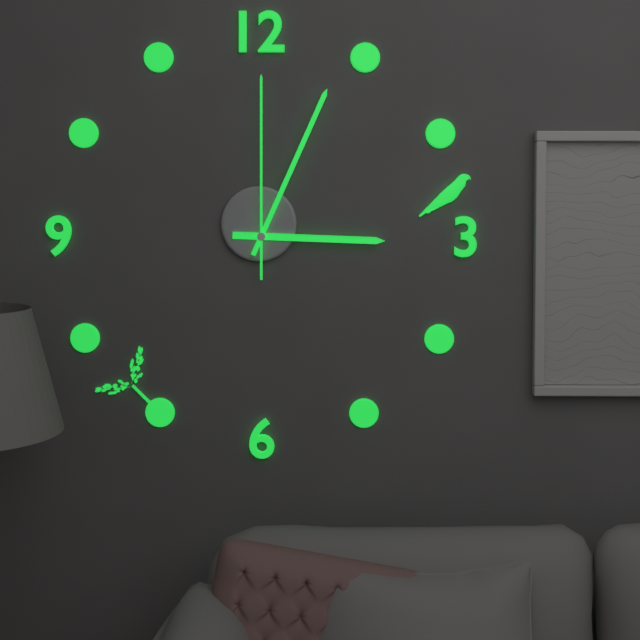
3,04,00
